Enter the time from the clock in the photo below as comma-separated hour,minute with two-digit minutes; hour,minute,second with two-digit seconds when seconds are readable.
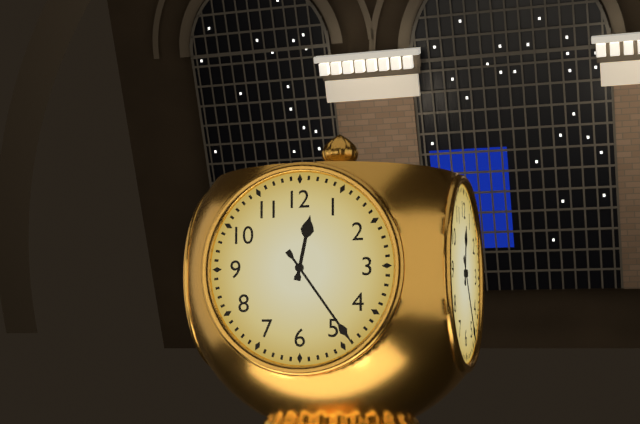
12,24
